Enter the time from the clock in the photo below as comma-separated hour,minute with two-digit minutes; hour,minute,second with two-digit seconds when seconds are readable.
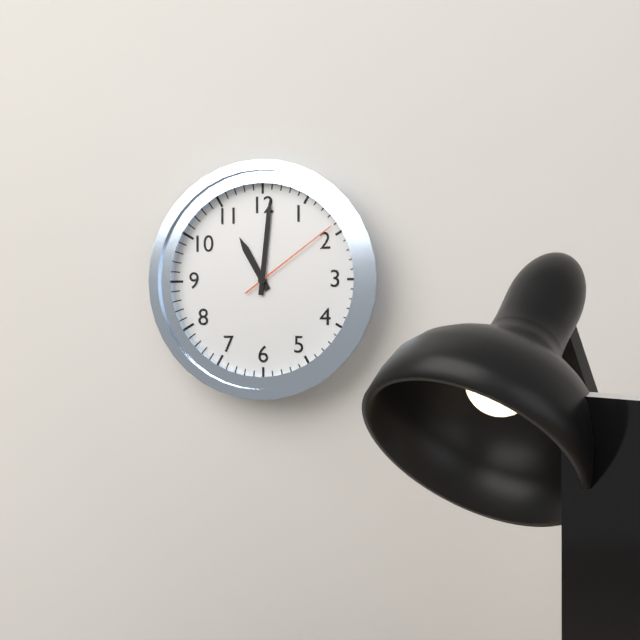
11,01,09
